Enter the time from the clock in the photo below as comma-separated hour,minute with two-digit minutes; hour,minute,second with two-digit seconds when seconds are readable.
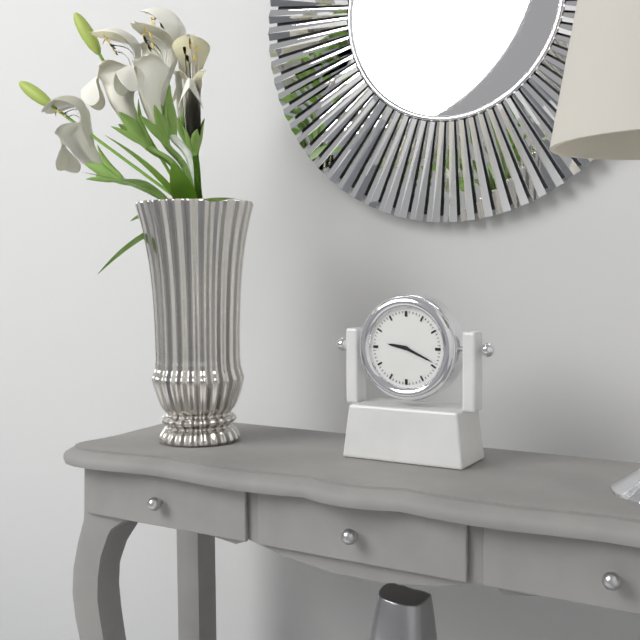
9,19
